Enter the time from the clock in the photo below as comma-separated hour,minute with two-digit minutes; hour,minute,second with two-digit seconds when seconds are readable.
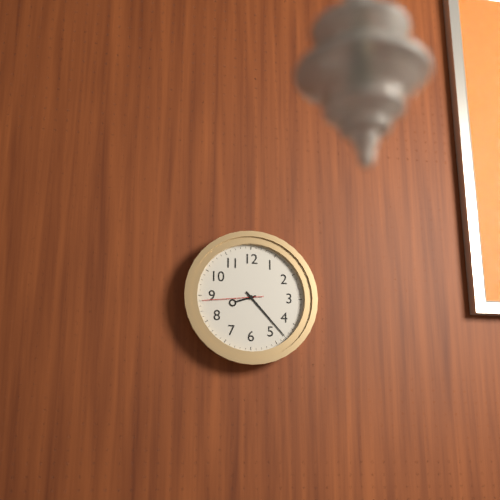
8,23,44
